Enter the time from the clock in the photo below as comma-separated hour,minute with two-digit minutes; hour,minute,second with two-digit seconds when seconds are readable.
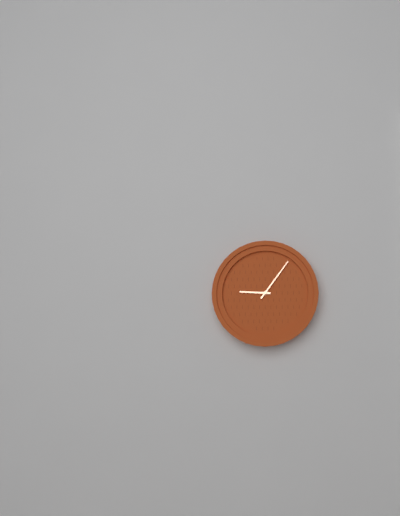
9,06
